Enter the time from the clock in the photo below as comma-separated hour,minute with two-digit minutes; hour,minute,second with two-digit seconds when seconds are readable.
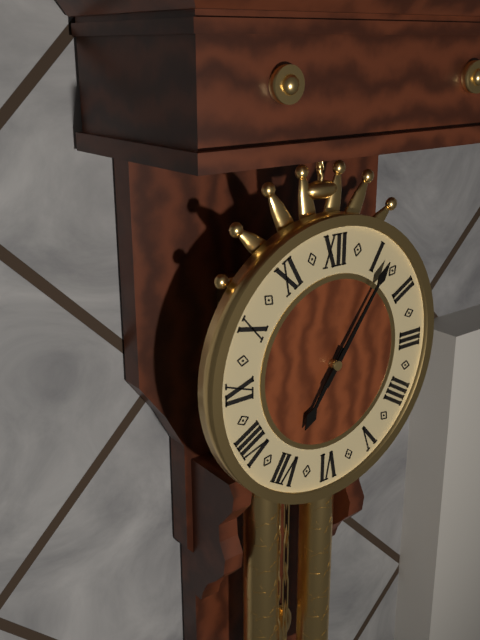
7,06
